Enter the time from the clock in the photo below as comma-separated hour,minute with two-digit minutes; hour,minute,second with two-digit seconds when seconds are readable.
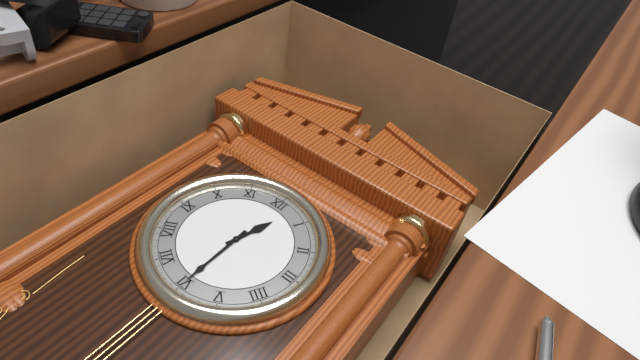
12,30
